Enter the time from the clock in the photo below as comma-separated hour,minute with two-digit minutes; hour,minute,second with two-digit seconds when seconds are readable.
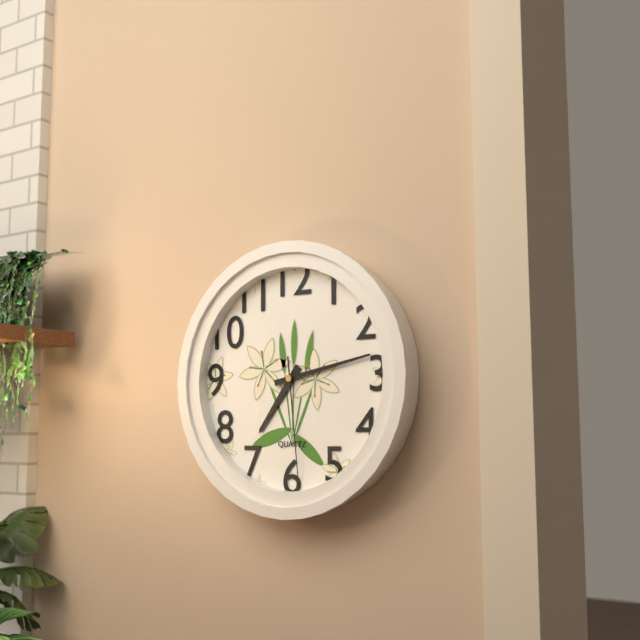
7,13,29
